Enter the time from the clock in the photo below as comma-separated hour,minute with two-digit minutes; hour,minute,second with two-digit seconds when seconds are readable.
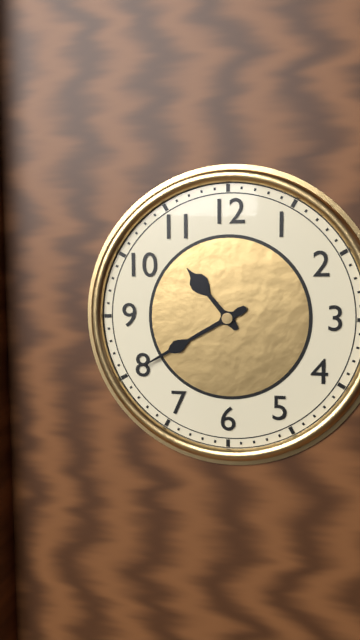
10,40
